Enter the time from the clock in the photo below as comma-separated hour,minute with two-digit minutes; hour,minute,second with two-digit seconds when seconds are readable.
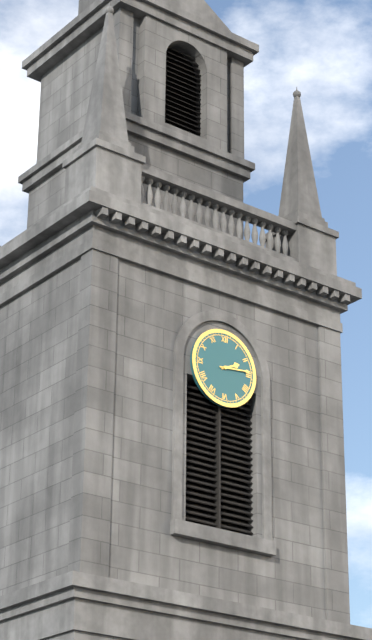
2,14
